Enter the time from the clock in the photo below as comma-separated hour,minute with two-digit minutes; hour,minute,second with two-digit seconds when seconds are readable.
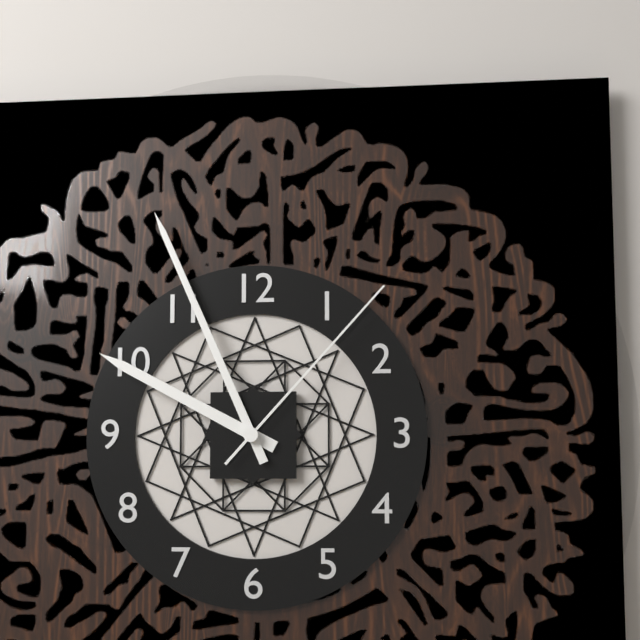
9,56,07
